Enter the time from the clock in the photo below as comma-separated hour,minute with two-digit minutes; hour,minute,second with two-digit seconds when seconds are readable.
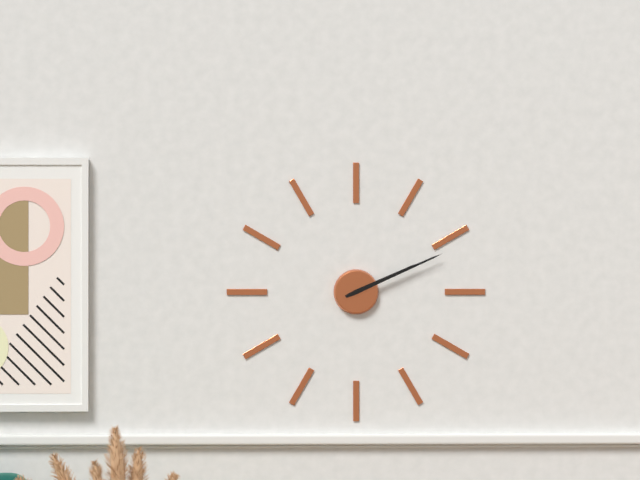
2,11
